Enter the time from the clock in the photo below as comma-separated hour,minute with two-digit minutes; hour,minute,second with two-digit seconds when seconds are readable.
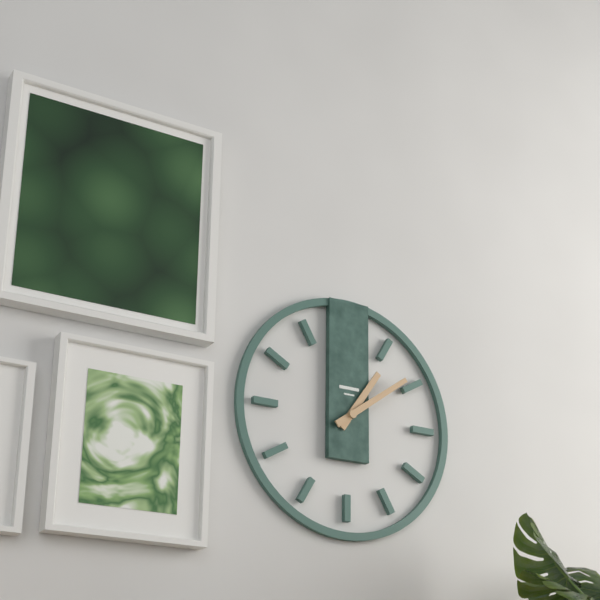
1,09
